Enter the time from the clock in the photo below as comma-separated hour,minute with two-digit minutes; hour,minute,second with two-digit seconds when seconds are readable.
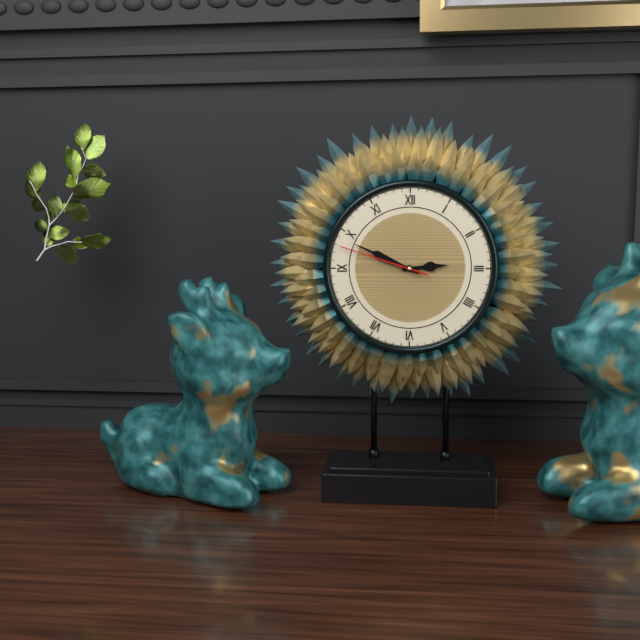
2,49,48
